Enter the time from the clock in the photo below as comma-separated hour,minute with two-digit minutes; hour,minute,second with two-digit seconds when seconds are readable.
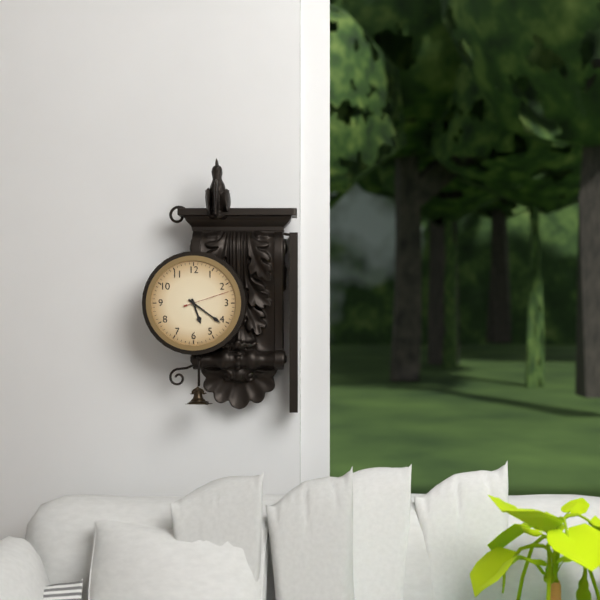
5,21
